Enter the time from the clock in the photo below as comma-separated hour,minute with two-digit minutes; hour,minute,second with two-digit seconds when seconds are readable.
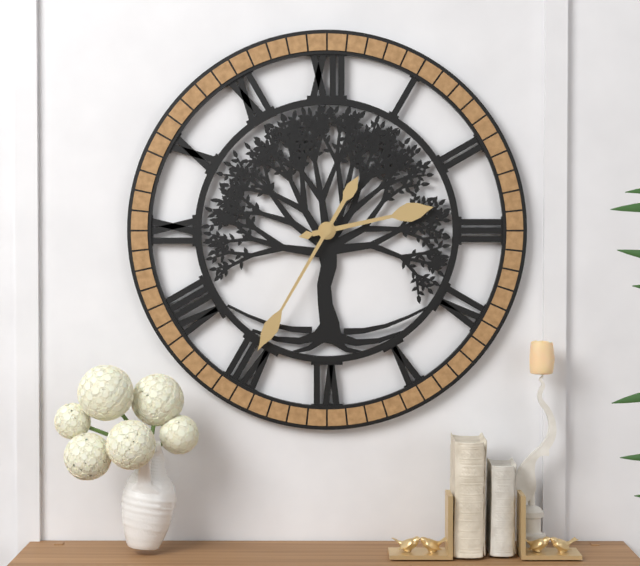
2,35
